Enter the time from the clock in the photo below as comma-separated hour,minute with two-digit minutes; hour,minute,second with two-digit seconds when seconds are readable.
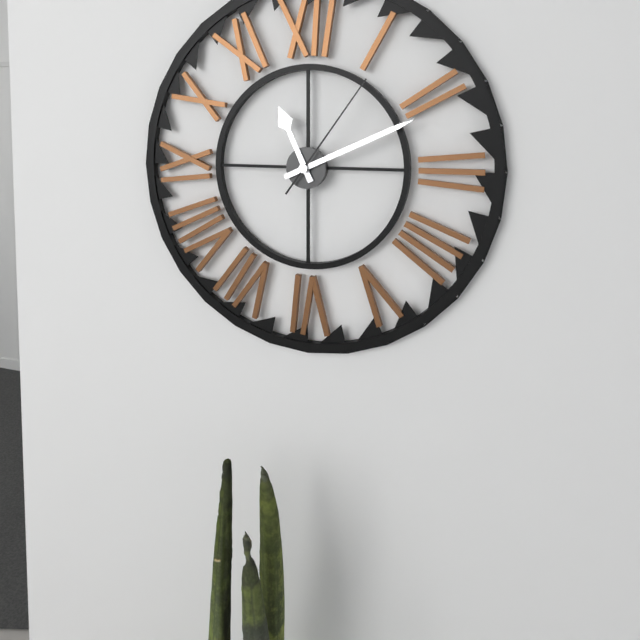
11,11,06
